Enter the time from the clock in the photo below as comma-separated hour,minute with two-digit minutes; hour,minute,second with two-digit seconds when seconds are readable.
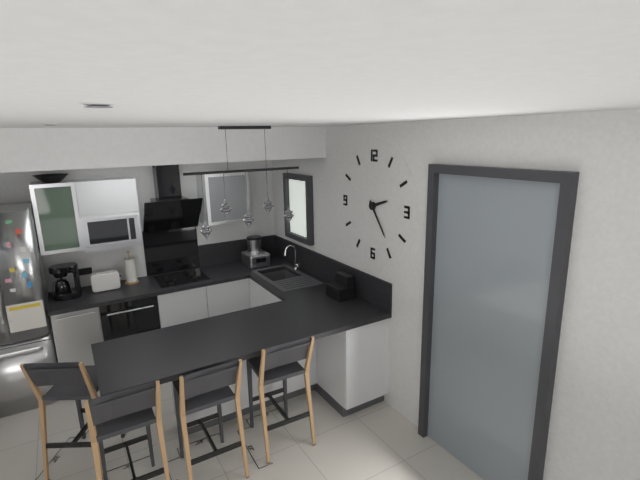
2,24
